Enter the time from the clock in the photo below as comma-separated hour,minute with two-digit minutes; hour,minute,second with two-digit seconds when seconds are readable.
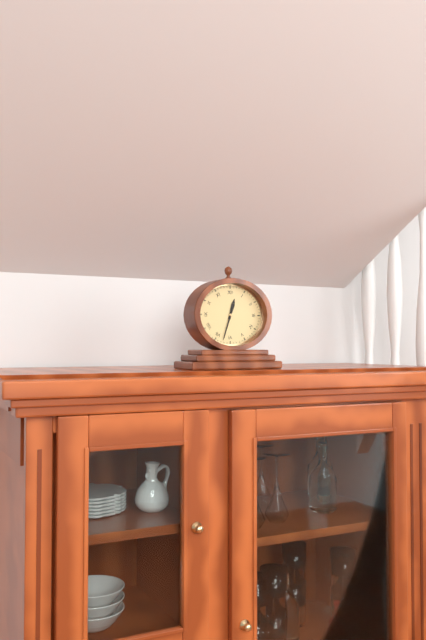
12,33
